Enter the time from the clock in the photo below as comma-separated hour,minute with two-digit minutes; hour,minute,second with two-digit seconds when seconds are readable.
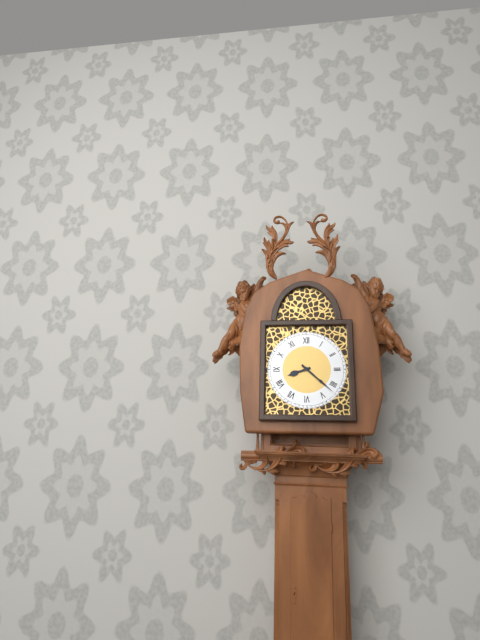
8,22
